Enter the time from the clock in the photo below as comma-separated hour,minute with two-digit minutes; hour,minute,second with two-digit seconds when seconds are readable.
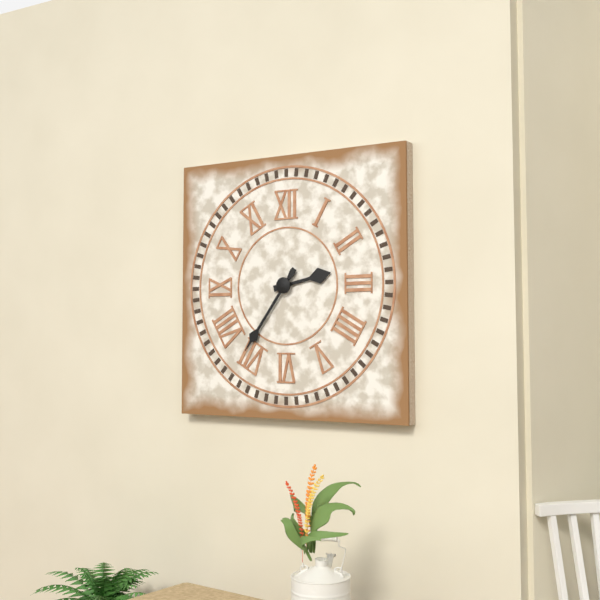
2,36
